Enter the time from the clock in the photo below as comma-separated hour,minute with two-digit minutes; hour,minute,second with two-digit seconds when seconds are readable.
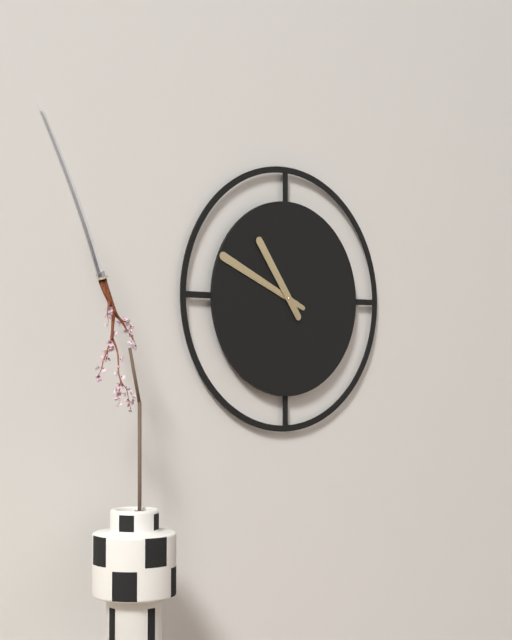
10,49
